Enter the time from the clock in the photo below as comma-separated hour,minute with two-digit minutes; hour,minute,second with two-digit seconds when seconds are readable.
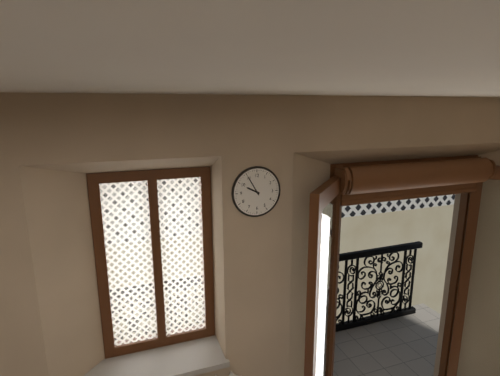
9,55
